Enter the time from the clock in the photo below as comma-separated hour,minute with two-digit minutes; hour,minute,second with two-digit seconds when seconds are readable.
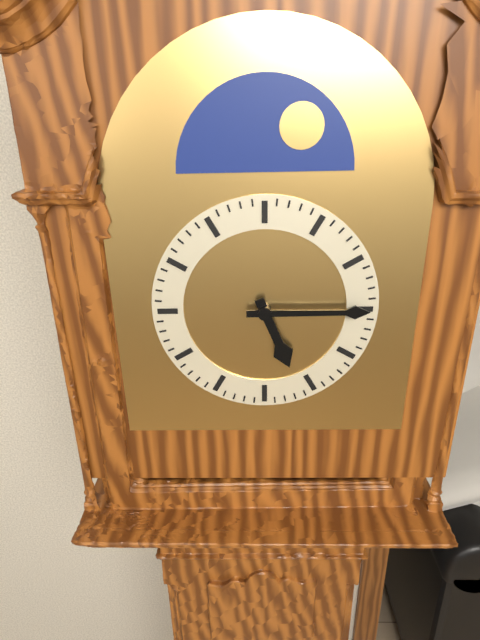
5,15
